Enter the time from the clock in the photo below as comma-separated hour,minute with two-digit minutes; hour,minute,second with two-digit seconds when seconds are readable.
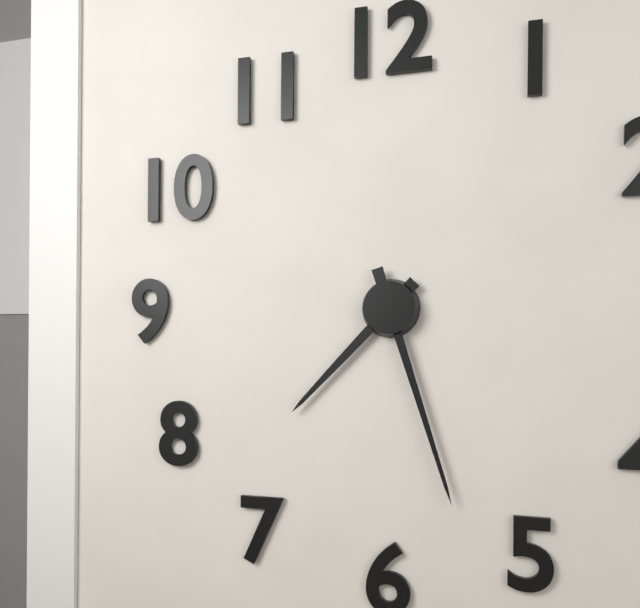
7,27
